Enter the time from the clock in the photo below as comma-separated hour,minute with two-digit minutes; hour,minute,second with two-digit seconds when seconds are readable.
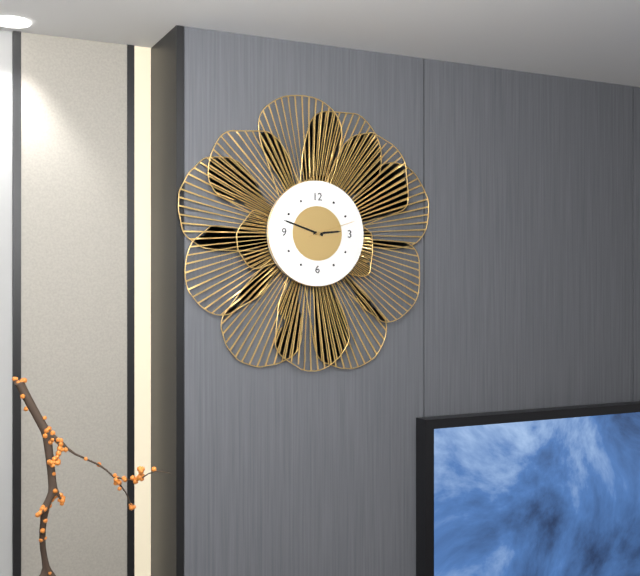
2,48
